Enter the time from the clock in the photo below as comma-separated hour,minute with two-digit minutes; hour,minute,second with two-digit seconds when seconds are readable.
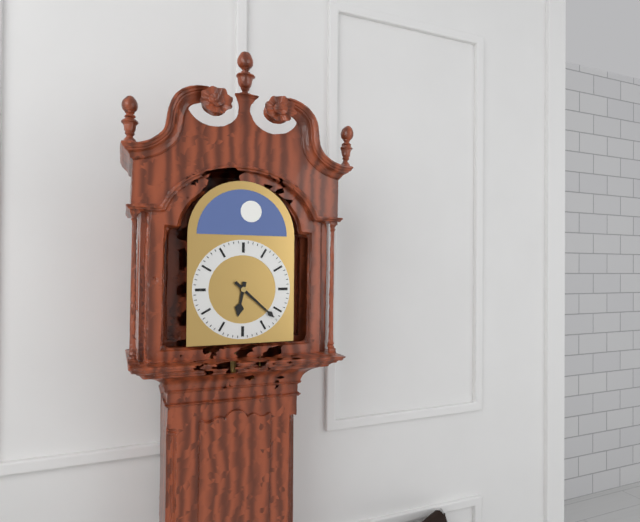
6,22
